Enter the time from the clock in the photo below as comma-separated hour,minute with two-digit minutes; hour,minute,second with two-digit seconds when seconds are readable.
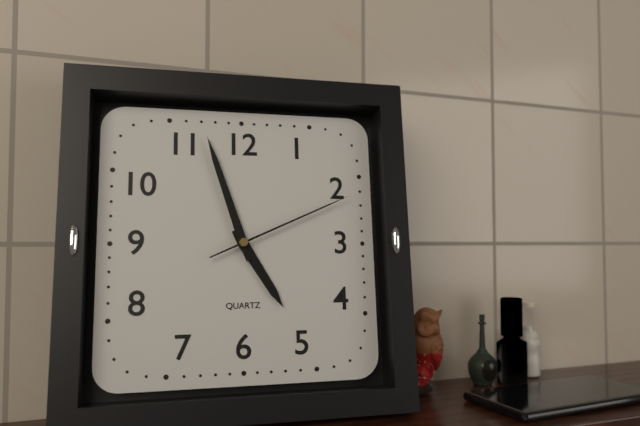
4,57,11
